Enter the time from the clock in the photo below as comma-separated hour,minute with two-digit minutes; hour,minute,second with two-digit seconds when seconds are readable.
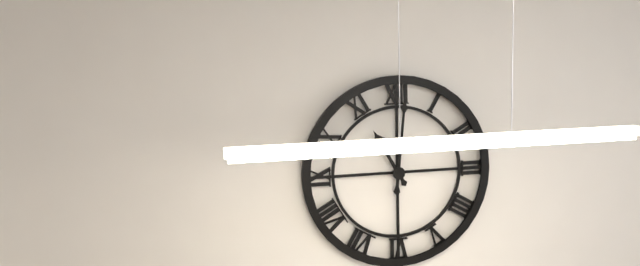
11,01
